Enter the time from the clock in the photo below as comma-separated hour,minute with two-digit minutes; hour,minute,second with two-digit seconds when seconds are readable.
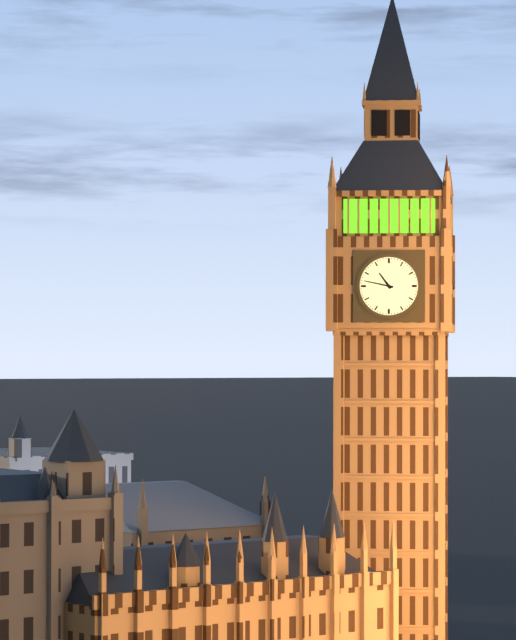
10,47
